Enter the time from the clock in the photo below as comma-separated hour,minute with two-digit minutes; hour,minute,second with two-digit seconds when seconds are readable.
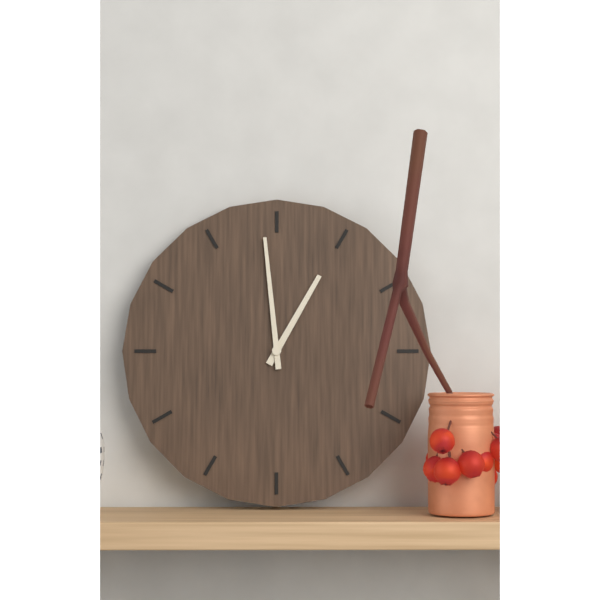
12,59
